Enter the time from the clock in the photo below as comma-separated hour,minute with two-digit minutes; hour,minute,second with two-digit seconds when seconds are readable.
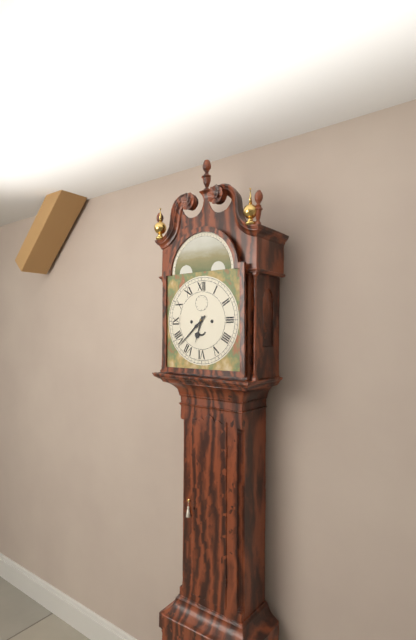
6,38
